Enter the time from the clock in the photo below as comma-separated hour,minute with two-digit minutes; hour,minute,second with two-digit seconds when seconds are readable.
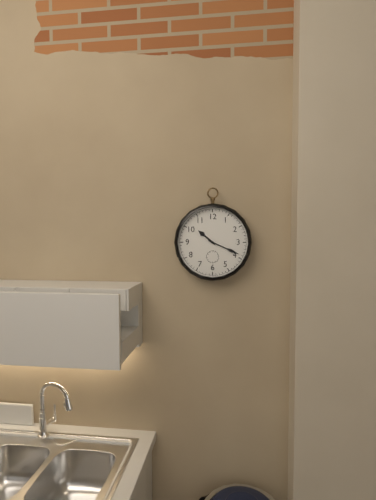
10,19
